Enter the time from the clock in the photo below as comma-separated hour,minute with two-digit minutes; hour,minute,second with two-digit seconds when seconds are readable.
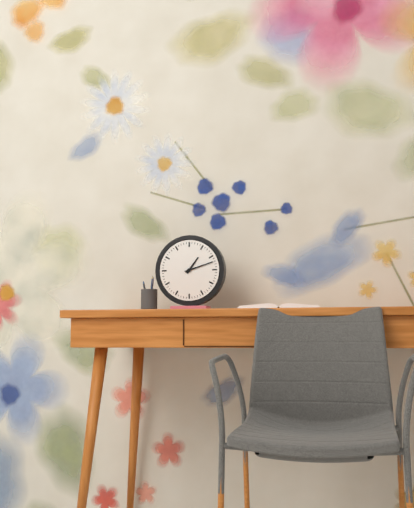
1,12
